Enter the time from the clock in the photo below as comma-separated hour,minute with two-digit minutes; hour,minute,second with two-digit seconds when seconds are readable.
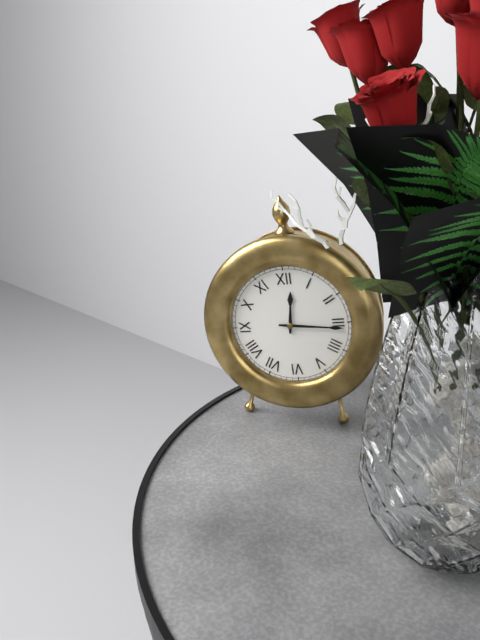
12,16
